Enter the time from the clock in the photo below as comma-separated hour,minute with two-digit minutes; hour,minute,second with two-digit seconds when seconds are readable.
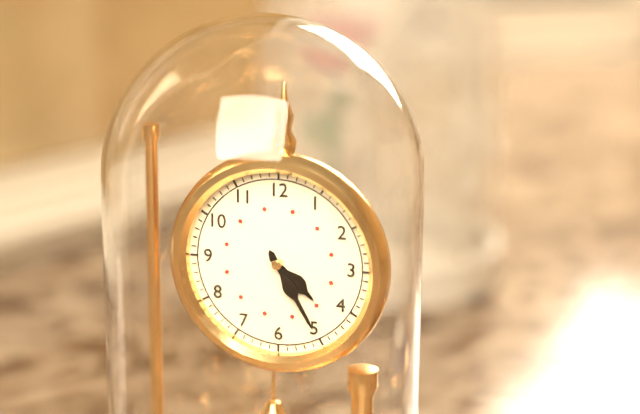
4,25
